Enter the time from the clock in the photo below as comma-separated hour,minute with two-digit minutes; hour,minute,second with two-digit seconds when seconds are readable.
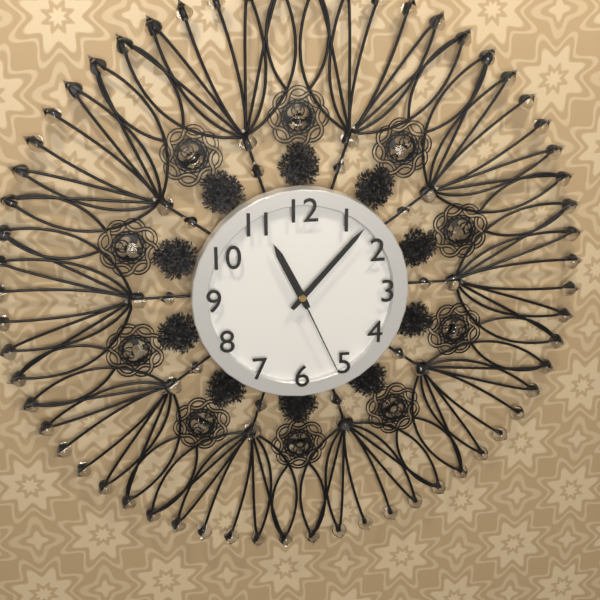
11,07,26
